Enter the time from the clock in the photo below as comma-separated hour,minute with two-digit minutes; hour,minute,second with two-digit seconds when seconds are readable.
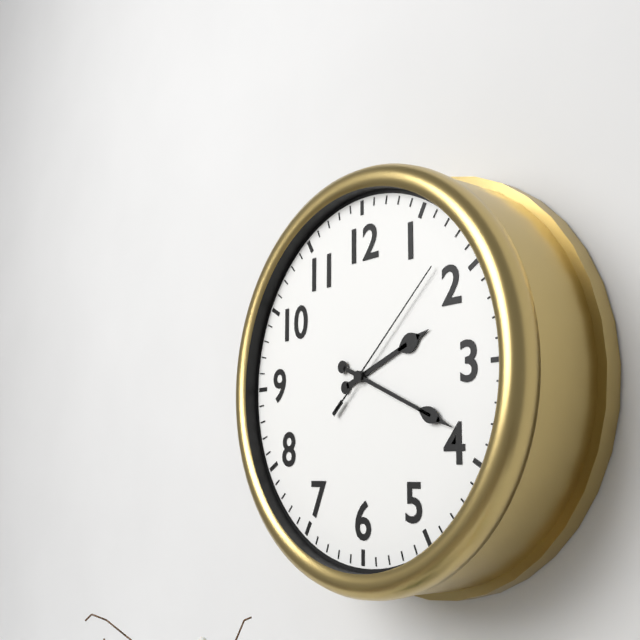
2,19,08
